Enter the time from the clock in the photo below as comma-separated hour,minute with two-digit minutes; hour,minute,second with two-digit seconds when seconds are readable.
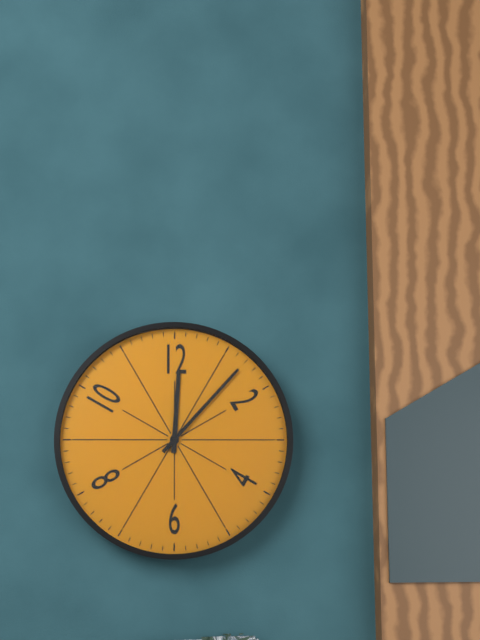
12,07
